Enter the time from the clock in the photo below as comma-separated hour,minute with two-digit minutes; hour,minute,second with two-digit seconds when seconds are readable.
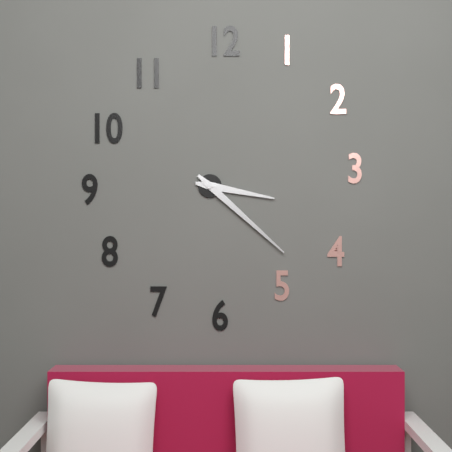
3,22
